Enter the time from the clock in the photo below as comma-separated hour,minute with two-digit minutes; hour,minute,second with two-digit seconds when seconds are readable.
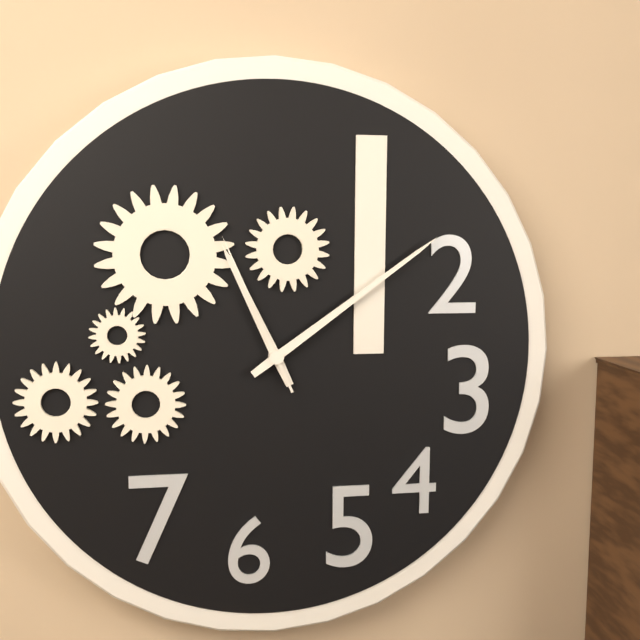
11,09,56
